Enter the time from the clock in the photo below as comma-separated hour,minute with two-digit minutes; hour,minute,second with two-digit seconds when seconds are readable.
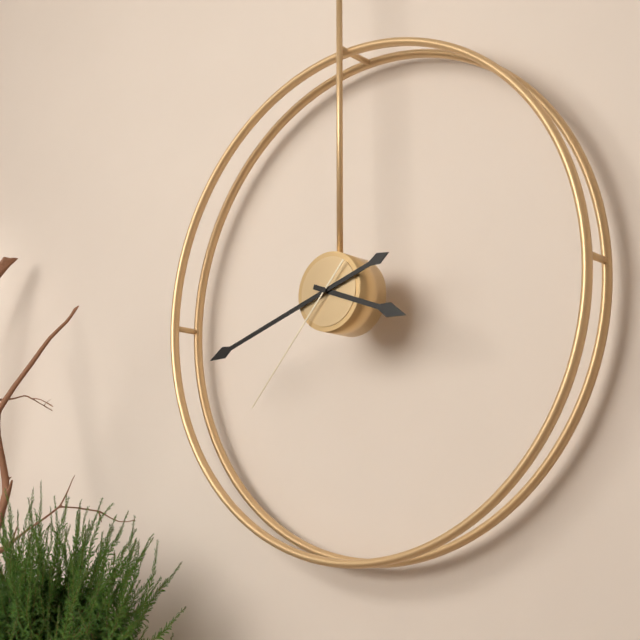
3,42,37
